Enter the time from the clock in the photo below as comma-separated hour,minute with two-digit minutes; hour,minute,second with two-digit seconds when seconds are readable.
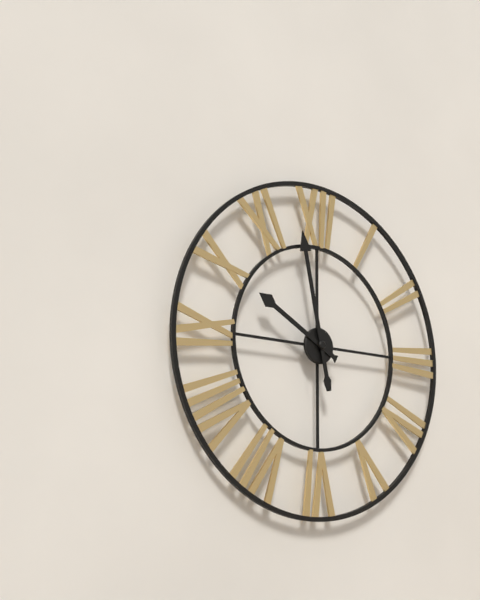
9,58
